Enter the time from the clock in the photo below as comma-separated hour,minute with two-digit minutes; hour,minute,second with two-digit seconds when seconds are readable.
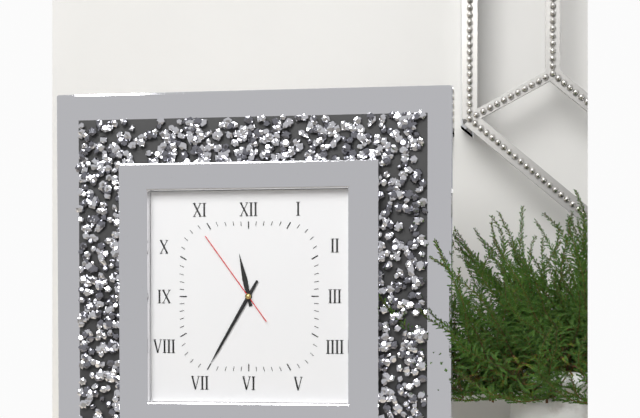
11,35,54
